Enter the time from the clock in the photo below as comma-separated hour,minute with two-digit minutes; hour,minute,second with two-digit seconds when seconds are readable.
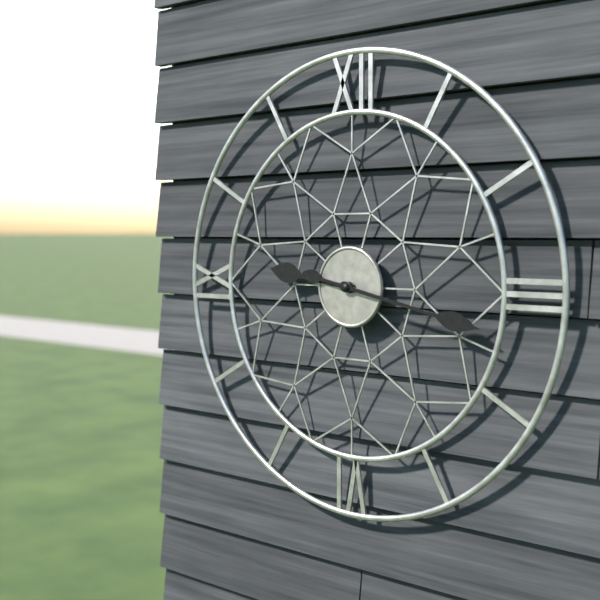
9,17
